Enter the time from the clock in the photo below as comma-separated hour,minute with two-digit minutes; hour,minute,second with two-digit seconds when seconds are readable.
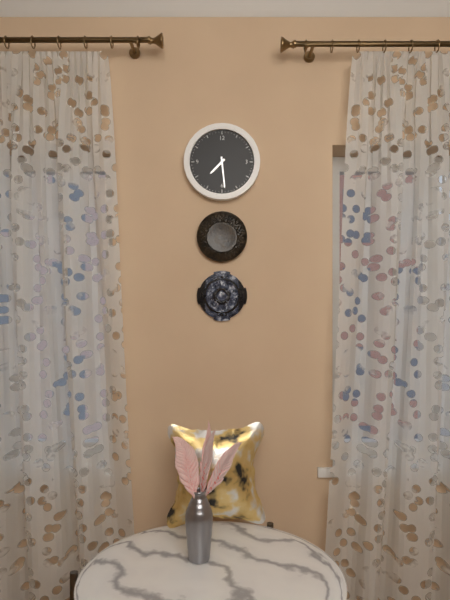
7,29
